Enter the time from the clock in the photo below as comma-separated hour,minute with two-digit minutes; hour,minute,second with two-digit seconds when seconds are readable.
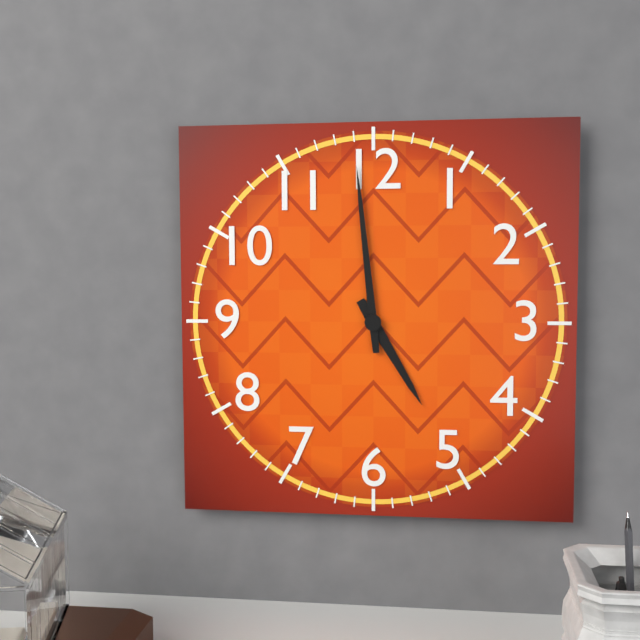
4,59
